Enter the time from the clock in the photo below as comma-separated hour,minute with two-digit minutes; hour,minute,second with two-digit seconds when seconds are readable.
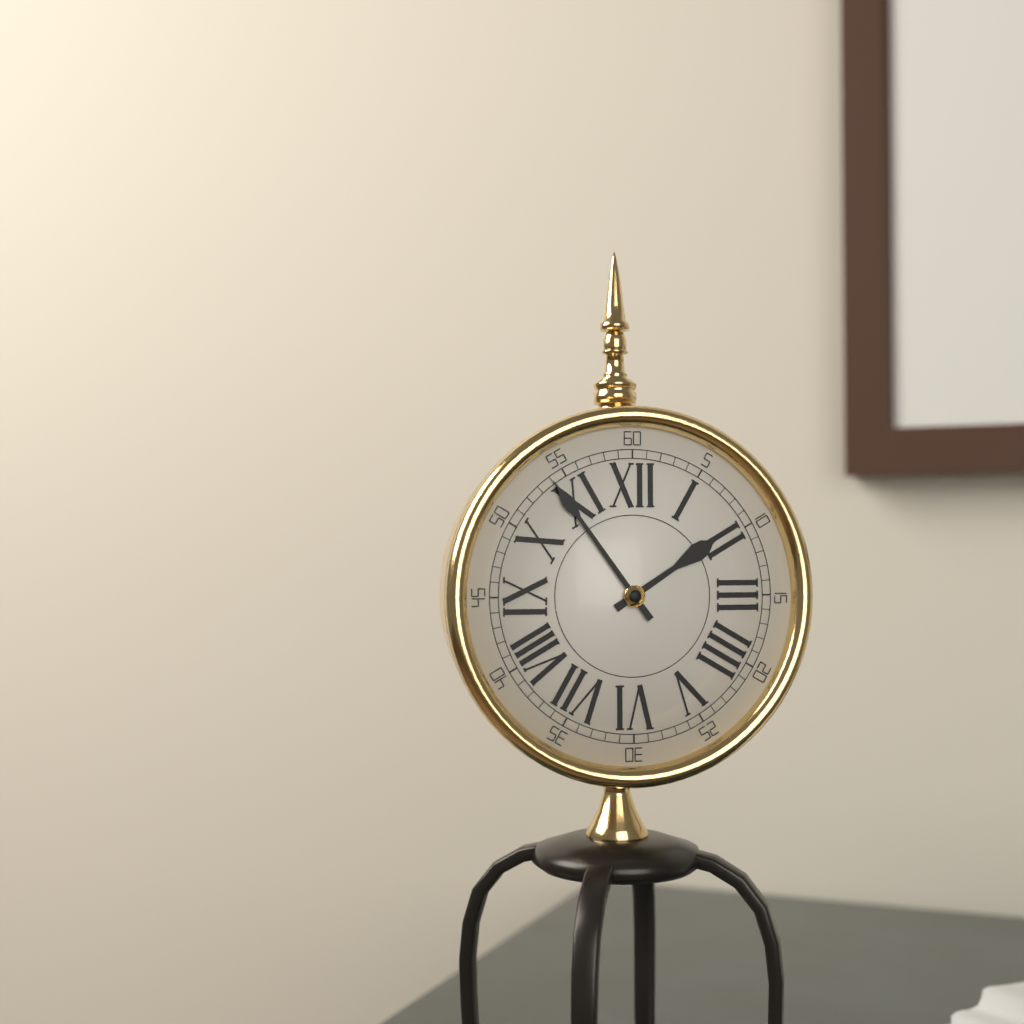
1,54
